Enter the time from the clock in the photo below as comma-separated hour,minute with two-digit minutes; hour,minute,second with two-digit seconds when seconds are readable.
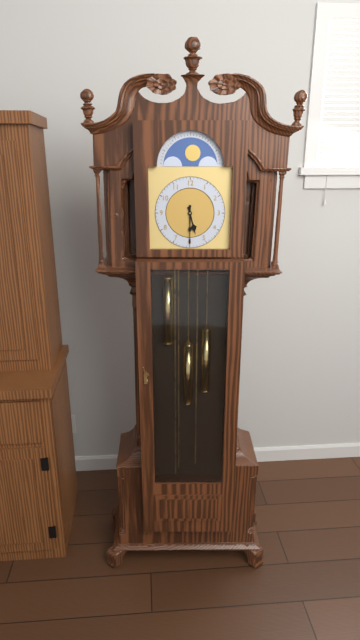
5,30
